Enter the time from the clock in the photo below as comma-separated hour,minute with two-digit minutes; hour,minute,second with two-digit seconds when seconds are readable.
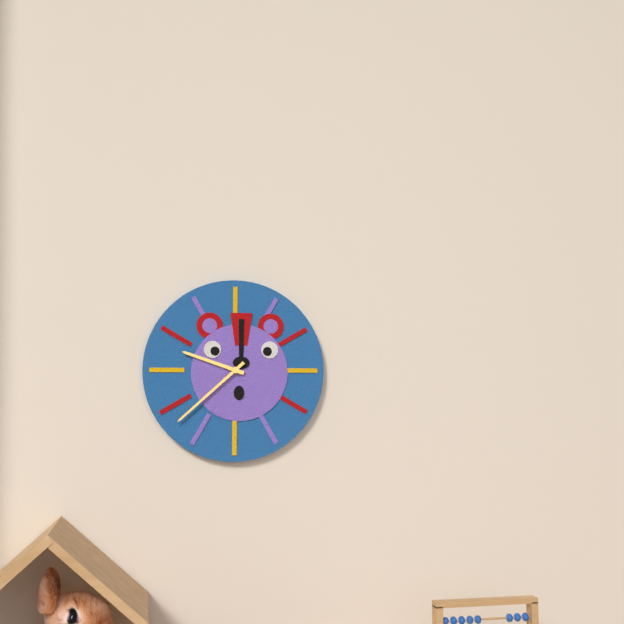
9,38
